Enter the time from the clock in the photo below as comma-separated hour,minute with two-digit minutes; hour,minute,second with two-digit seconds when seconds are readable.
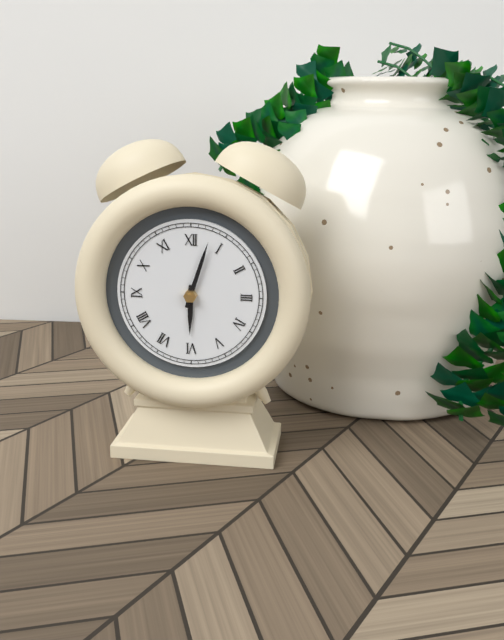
6,03
